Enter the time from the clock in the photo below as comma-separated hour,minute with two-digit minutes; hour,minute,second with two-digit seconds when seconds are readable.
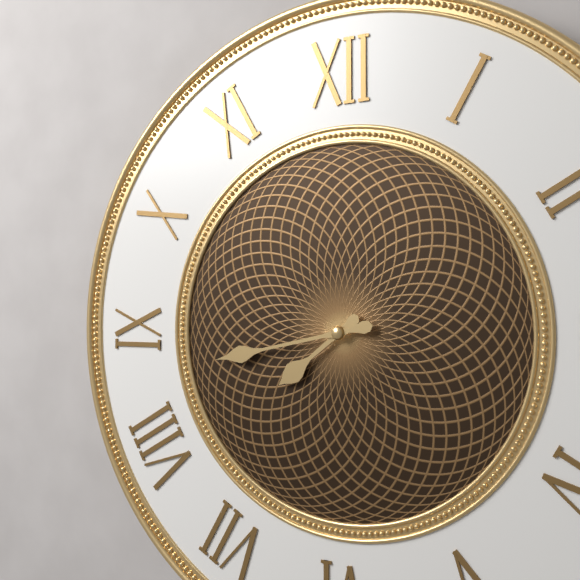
7,43
